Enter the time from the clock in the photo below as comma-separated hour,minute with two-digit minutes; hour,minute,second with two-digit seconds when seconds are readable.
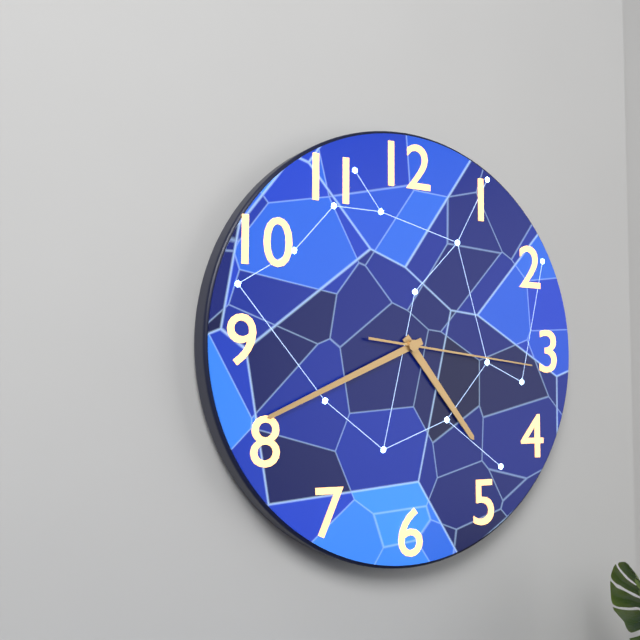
4,41,16
